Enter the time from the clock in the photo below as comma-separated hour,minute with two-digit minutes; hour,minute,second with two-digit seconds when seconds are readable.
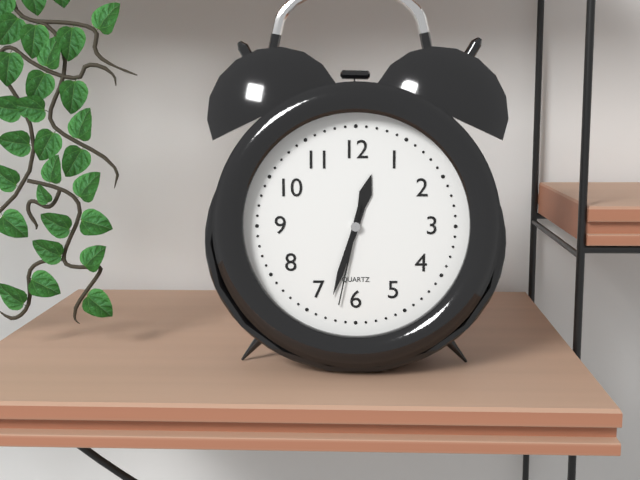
12,33,32
